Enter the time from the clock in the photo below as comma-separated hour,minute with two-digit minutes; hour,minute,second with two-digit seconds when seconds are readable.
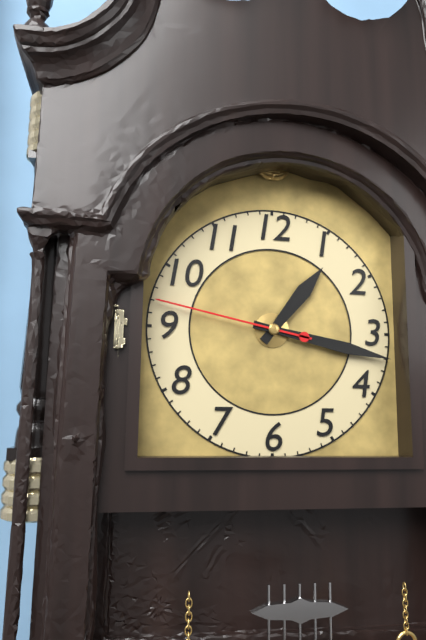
1,17,47
